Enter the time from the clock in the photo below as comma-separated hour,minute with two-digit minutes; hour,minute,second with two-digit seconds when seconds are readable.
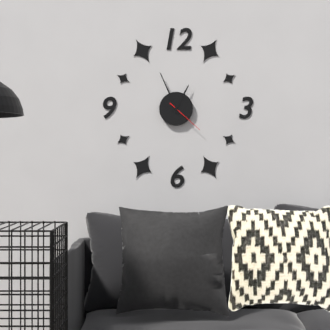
12,56
